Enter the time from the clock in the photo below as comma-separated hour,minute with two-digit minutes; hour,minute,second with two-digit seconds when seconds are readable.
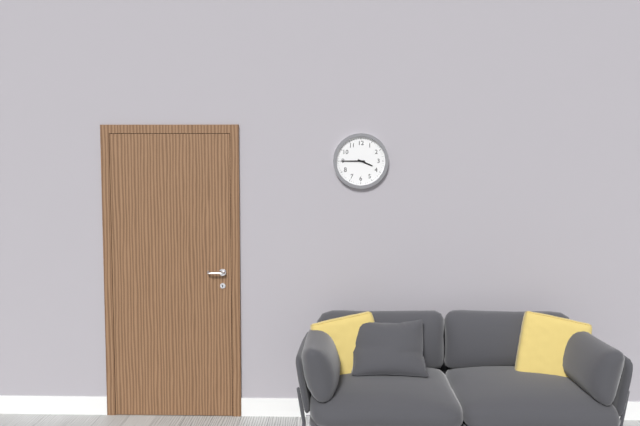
3,45
